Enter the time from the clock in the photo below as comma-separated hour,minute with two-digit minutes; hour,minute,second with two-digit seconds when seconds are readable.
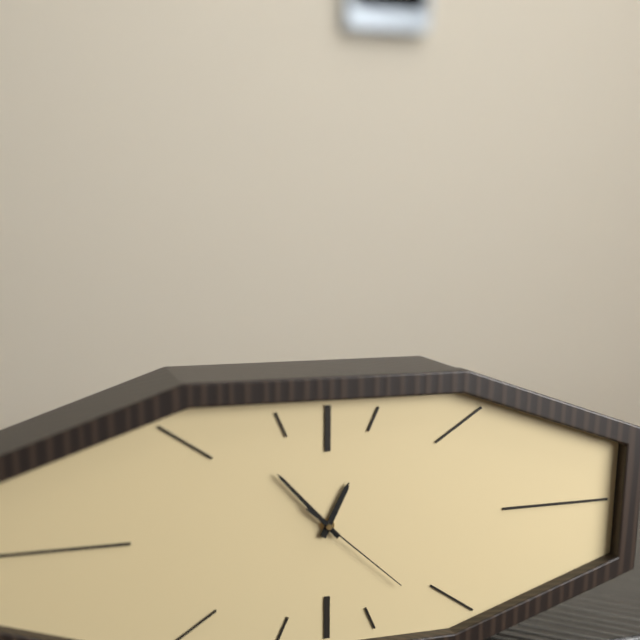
12,53,22
